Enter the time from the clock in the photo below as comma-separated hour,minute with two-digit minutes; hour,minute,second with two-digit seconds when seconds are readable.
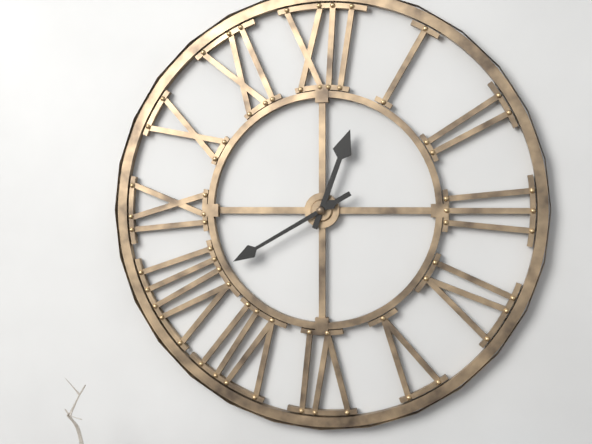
12,40
